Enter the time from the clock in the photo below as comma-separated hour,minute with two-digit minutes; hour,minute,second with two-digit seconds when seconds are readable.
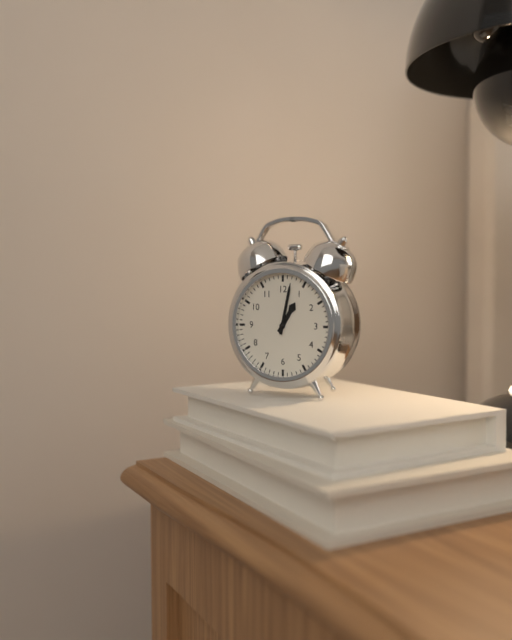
1,02
